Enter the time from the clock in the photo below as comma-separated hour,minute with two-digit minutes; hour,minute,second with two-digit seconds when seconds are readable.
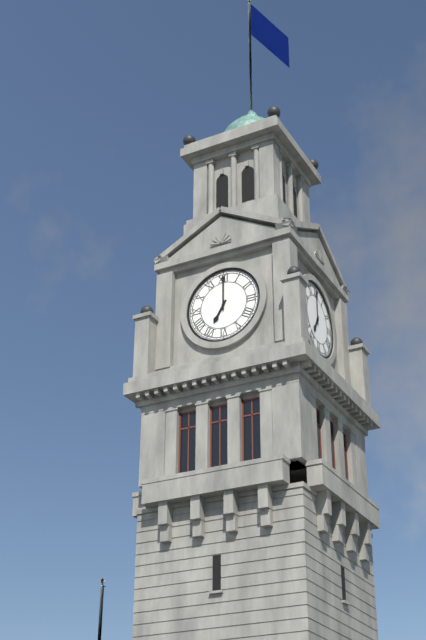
7,00
